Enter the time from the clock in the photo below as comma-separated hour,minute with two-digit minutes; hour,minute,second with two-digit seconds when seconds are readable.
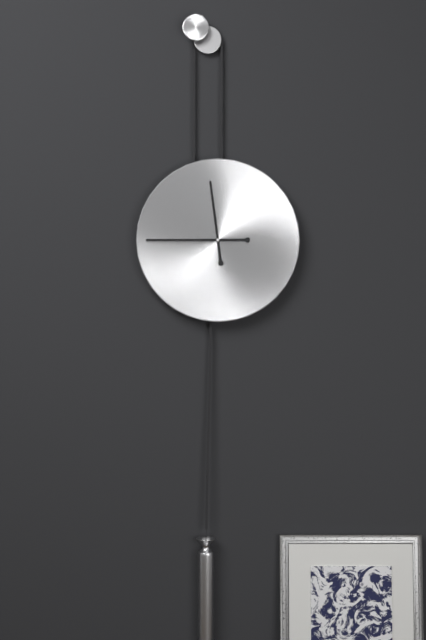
11,45
